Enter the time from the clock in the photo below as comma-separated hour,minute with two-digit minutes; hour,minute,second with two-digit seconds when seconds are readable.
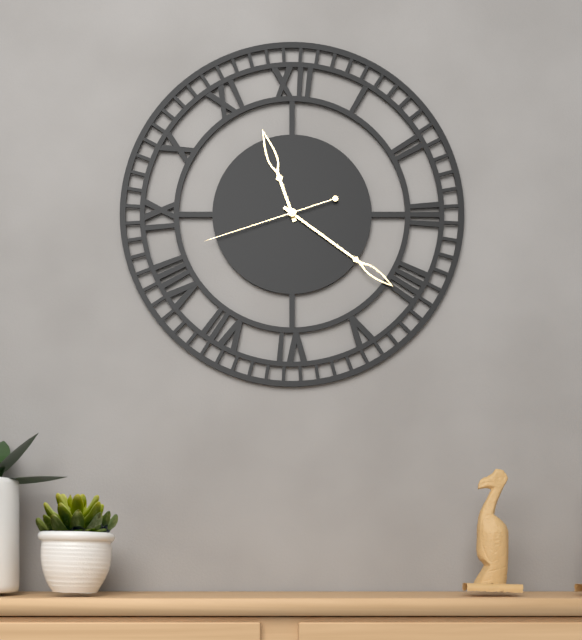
11,21,42
